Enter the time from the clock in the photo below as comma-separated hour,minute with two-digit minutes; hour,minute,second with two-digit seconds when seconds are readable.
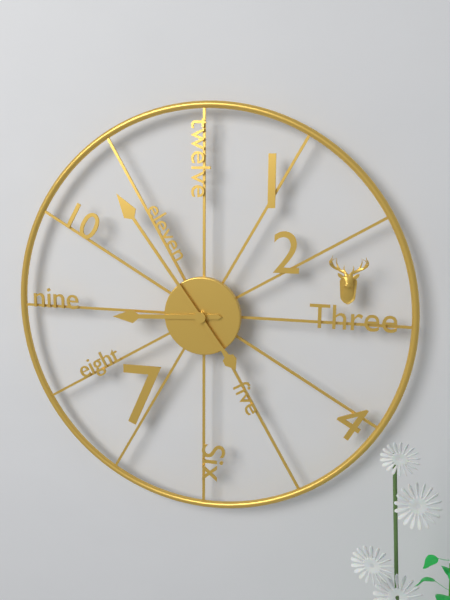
8,54
